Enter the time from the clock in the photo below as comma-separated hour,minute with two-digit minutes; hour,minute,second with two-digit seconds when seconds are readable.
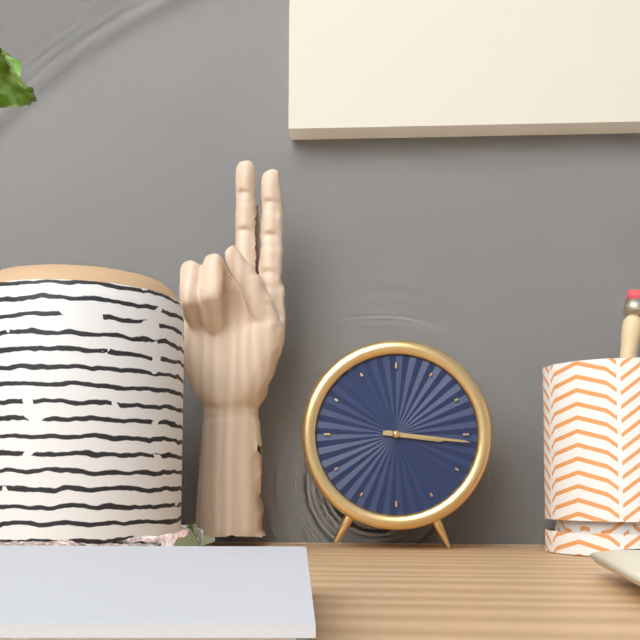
3,16
